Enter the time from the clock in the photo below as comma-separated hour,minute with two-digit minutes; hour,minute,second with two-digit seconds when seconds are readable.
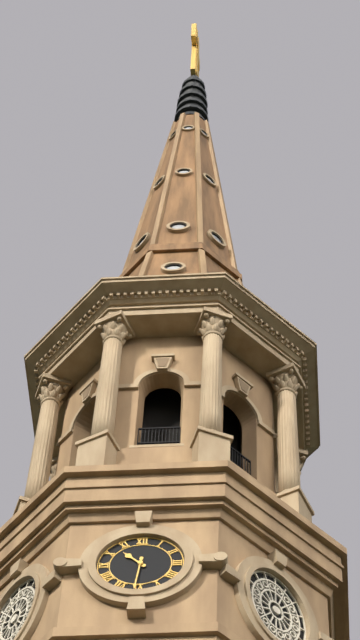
10,31
